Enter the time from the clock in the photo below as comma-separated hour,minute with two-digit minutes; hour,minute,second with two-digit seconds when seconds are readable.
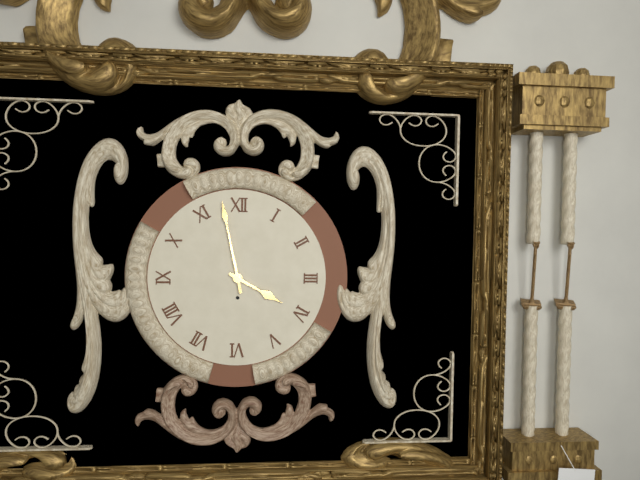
3,58
